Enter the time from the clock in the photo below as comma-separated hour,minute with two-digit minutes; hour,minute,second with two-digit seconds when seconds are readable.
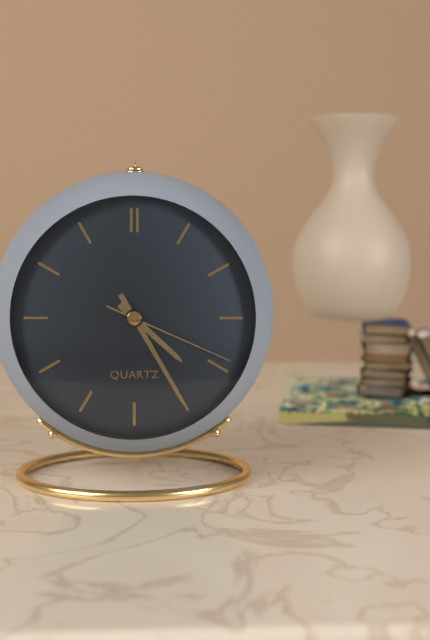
4,25,19
